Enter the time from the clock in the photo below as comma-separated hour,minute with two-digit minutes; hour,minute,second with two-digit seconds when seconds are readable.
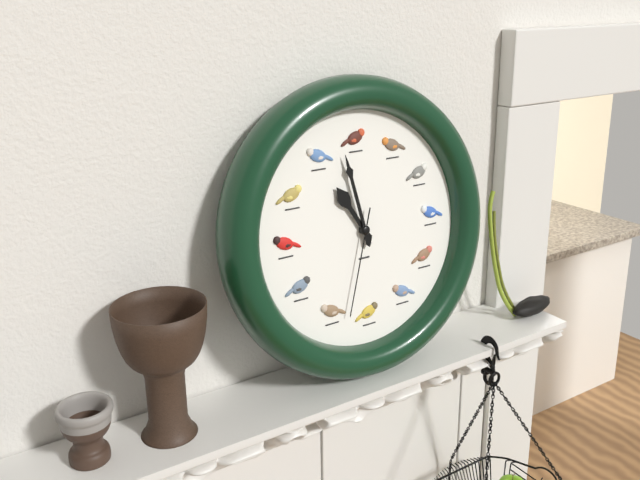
10,58,33
